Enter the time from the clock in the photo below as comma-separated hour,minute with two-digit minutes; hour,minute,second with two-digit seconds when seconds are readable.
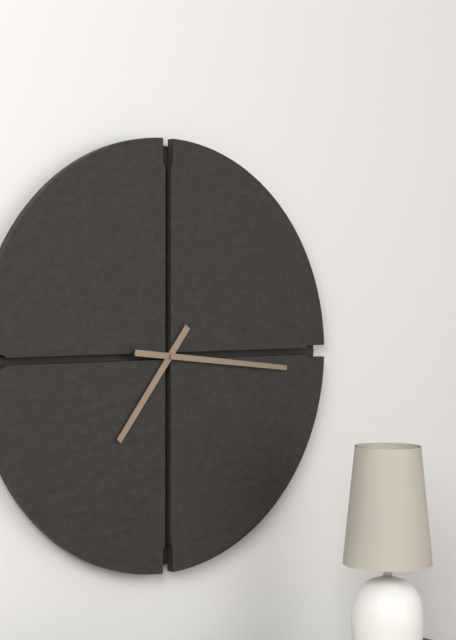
7,16
